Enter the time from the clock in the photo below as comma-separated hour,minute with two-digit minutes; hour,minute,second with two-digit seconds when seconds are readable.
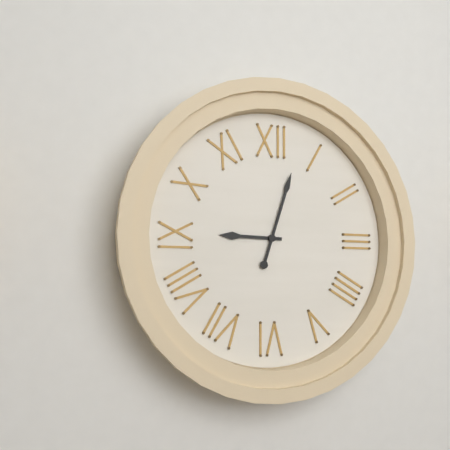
9,03
